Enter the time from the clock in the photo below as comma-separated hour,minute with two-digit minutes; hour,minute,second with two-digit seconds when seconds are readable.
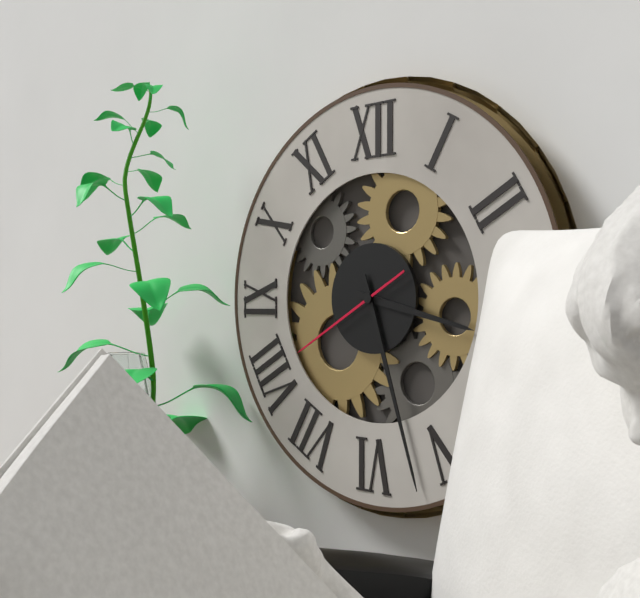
3,27,40
